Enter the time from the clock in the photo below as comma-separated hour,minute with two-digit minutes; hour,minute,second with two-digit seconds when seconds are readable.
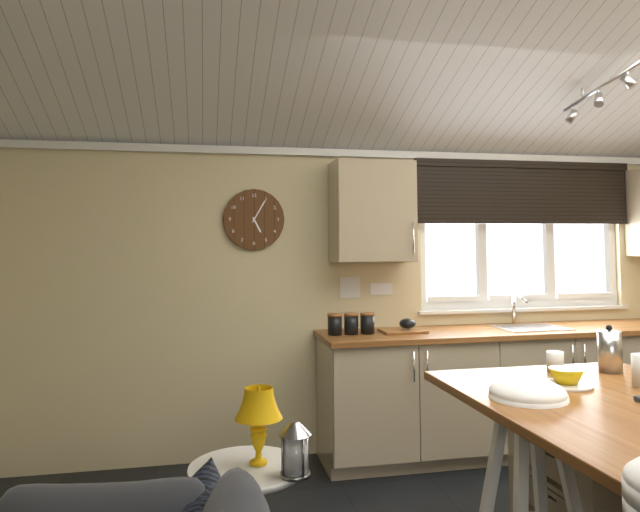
5,05
